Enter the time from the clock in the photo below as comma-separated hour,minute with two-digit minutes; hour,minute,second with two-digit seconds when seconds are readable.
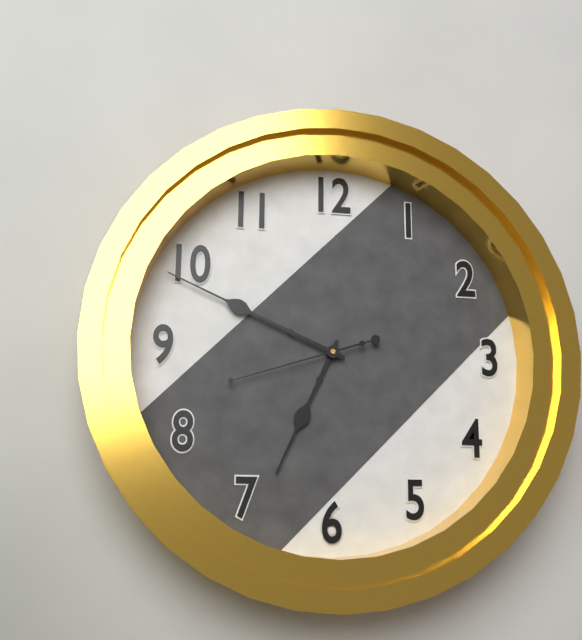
6,49,42
